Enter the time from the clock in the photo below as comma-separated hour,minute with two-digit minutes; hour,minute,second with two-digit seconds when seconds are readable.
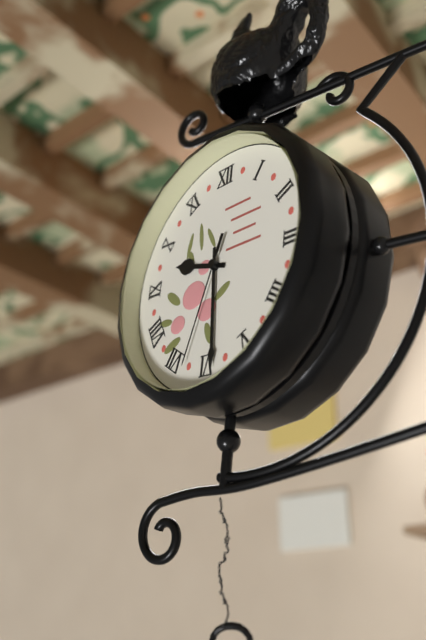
9,29,33
